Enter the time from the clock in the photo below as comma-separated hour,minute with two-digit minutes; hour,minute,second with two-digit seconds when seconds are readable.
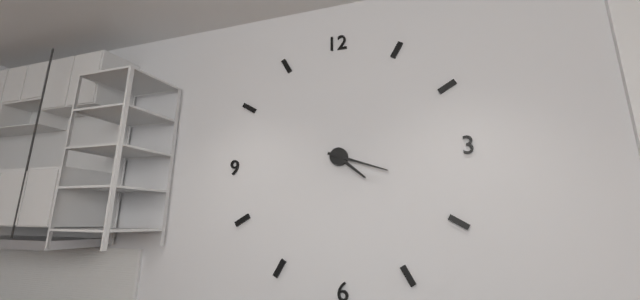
4,18
